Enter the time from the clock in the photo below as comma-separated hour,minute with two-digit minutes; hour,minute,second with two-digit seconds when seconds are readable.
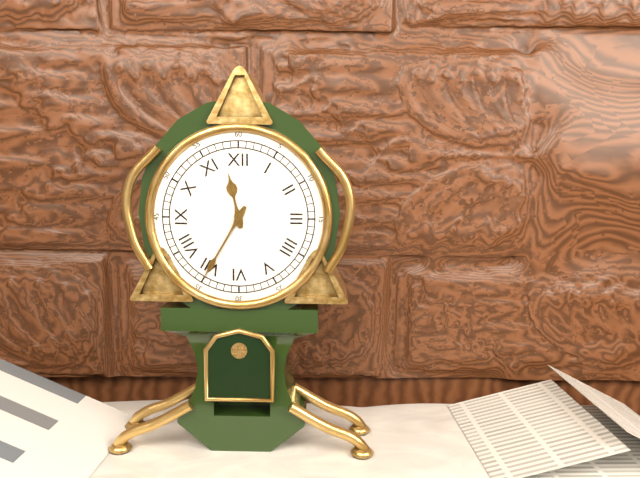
11,35
